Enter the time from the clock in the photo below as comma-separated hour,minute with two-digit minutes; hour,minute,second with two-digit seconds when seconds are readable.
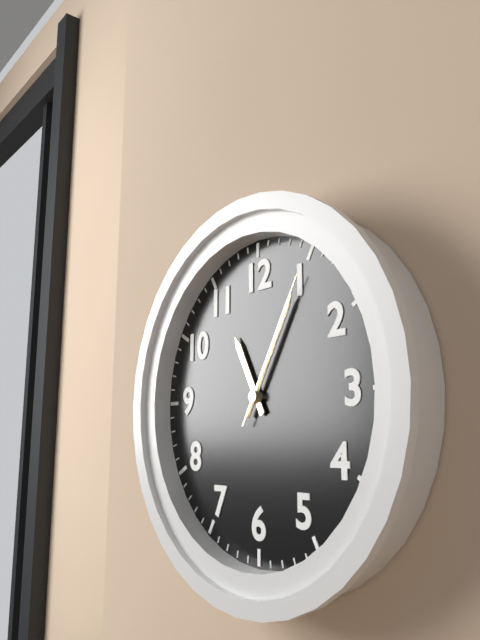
11,05,05
